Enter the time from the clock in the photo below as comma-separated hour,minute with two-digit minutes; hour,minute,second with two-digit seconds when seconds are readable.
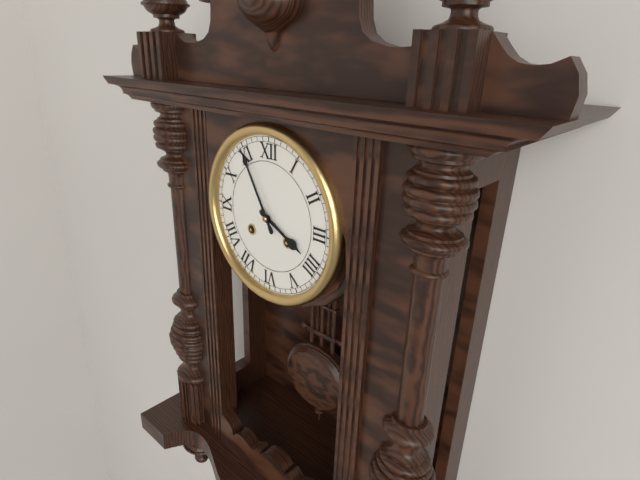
3,55
